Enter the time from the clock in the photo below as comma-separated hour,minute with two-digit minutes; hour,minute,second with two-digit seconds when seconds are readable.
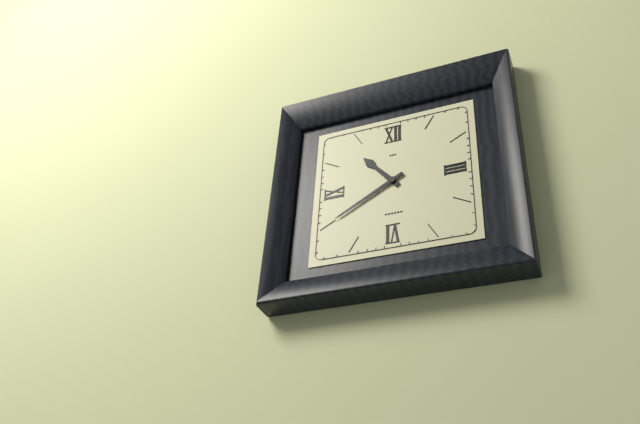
10,40
